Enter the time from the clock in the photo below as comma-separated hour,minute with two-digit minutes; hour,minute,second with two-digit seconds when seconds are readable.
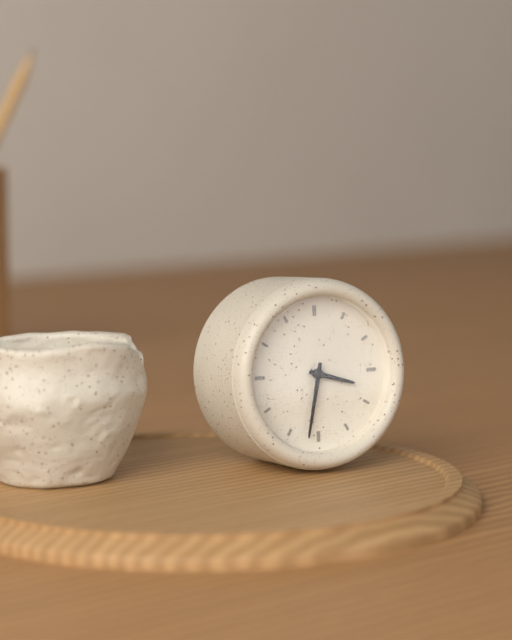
3,32
